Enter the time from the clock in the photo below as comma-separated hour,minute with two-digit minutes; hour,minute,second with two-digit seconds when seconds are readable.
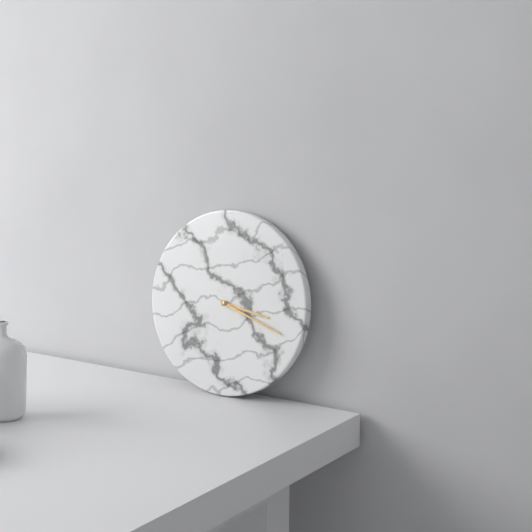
3,18
